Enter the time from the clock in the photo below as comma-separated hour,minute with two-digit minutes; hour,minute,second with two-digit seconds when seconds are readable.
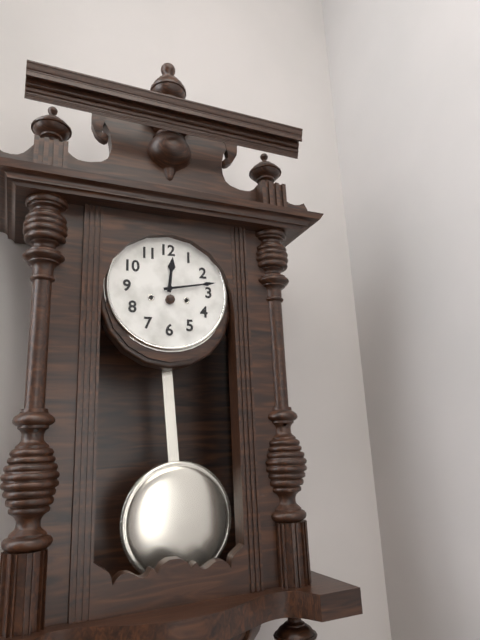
12,13
